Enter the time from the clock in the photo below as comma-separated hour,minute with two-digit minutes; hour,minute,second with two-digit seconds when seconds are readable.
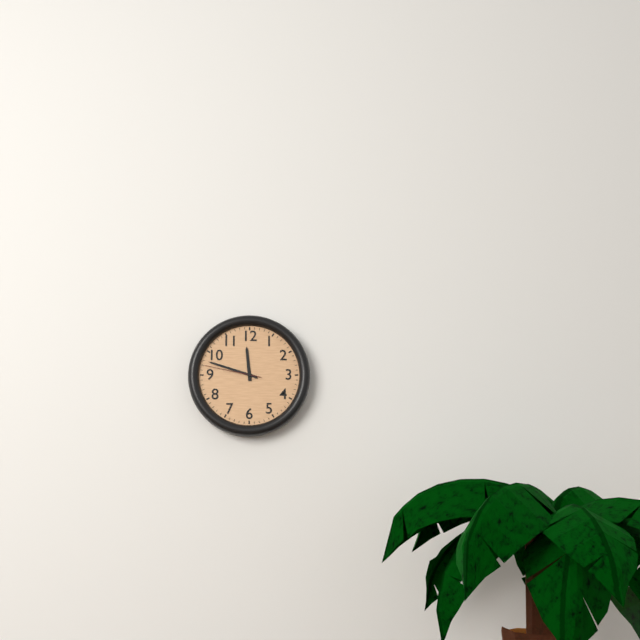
11,48,47
